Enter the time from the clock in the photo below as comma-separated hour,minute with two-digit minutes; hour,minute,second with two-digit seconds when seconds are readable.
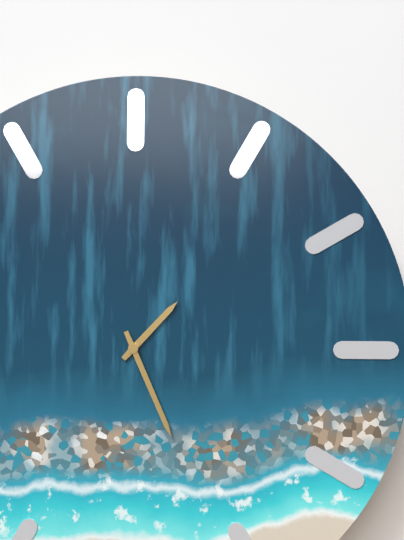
1,26
